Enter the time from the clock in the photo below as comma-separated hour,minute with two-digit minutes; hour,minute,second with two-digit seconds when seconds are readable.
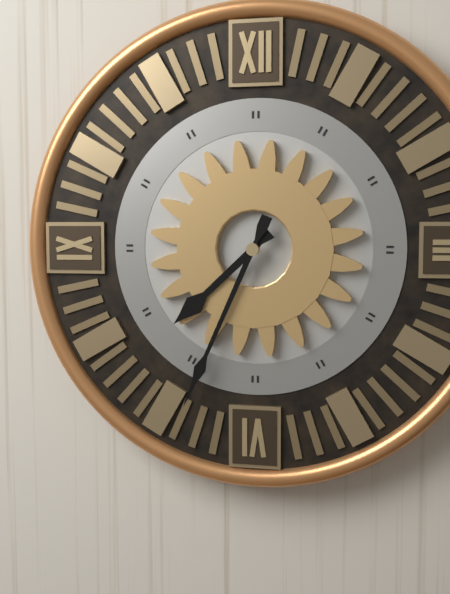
7,34
